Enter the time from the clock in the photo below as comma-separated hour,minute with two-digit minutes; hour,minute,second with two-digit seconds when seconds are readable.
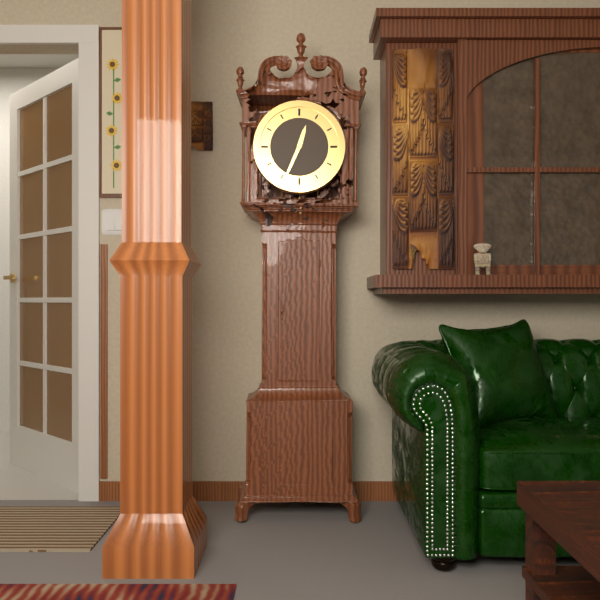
12,34
